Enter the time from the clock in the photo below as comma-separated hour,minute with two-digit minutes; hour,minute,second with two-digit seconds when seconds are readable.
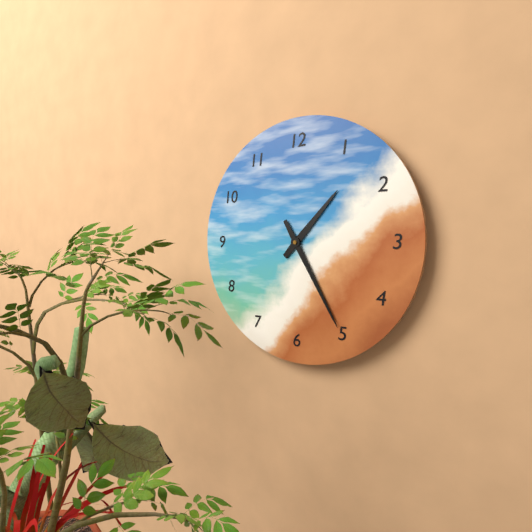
1,25
